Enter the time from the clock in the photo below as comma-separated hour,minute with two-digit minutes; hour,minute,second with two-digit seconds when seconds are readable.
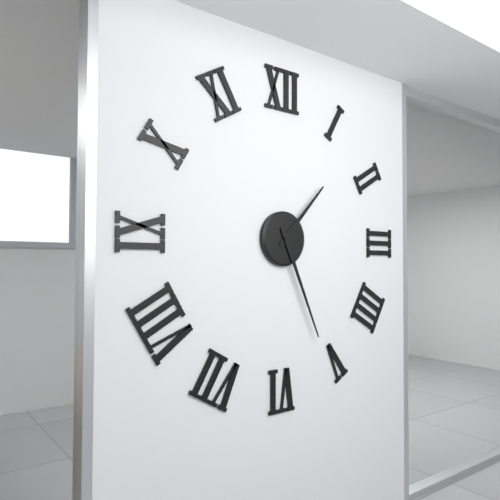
1,26
